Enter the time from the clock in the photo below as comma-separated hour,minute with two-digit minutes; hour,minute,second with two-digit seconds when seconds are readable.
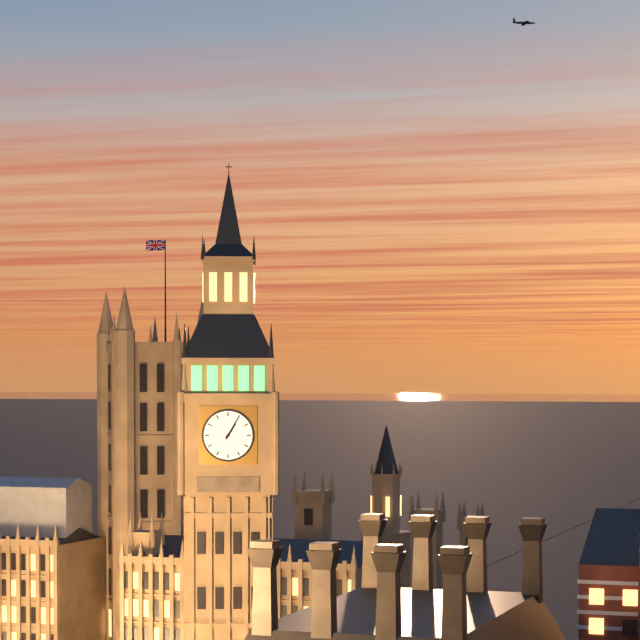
1,05
